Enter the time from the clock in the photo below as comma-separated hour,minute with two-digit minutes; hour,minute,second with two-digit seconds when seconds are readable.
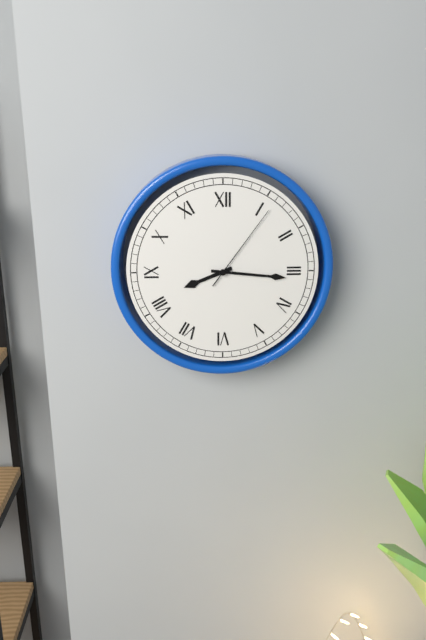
8,16,06
